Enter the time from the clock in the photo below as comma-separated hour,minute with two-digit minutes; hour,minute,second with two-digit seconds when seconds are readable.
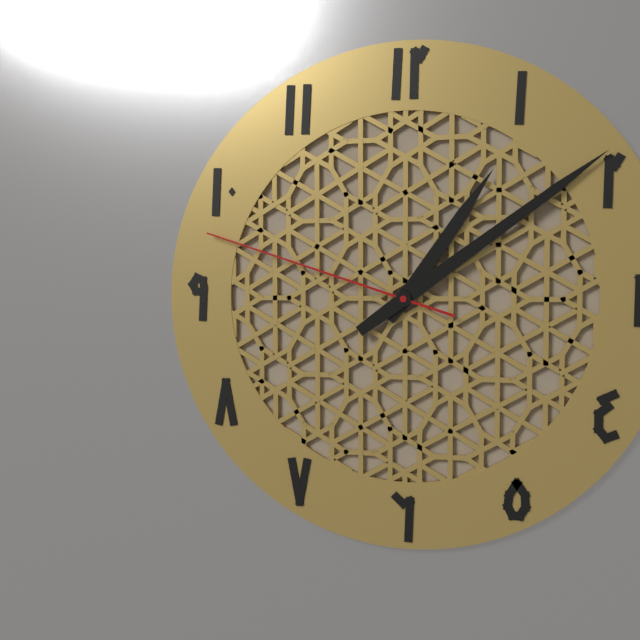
1,09,48
